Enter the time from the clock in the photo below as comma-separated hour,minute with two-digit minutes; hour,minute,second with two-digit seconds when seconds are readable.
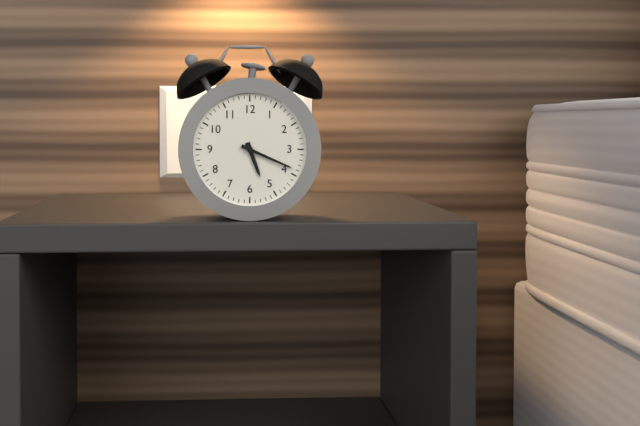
5,19
